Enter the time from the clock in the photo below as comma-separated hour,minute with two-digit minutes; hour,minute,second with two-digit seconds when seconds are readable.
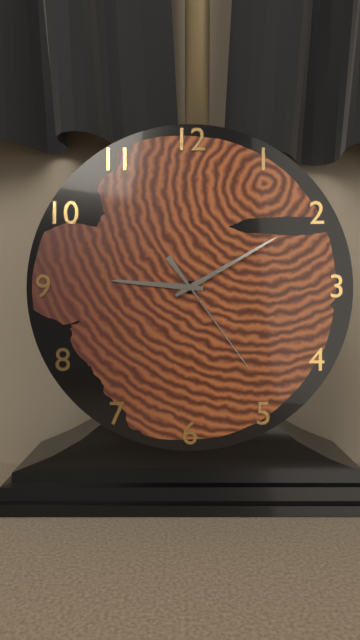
9,10,24
